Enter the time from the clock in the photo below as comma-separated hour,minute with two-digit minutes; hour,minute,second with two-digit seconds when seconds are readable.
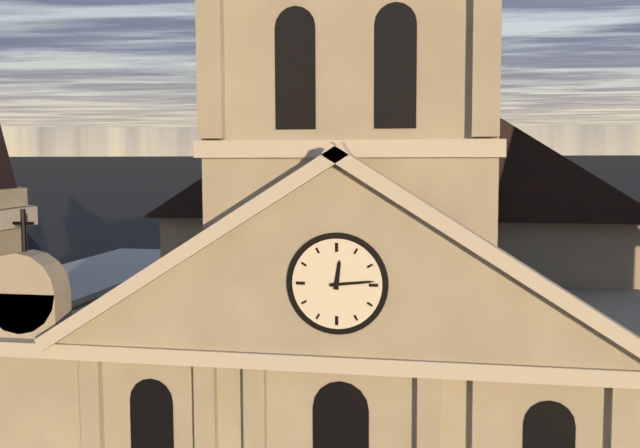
12,14
